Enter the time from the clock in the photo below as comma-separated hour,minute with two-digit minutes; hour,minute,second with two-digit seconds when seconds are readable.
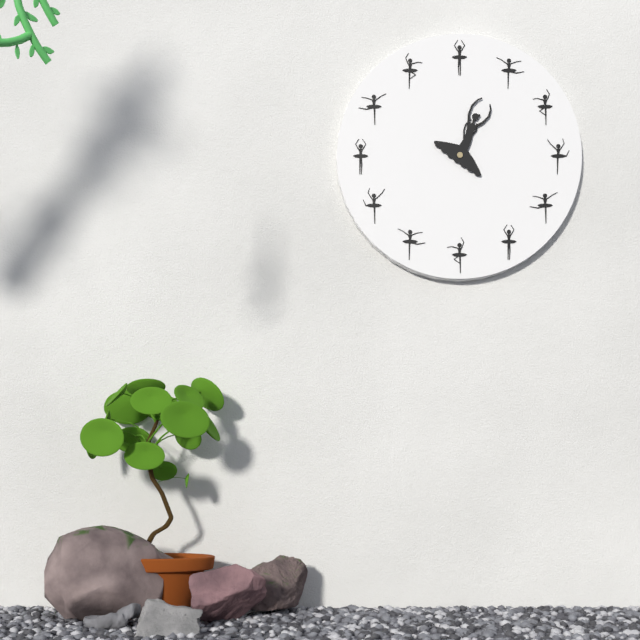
1,06
